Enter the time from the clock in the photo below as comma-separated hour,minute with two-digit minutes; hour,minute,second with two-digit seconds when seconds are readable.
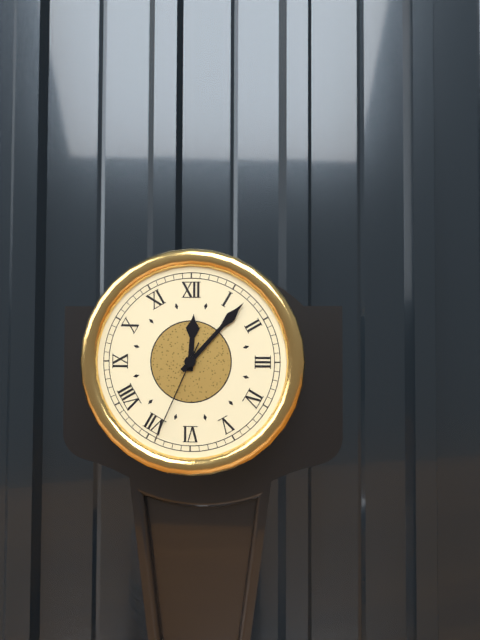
12,07,34
